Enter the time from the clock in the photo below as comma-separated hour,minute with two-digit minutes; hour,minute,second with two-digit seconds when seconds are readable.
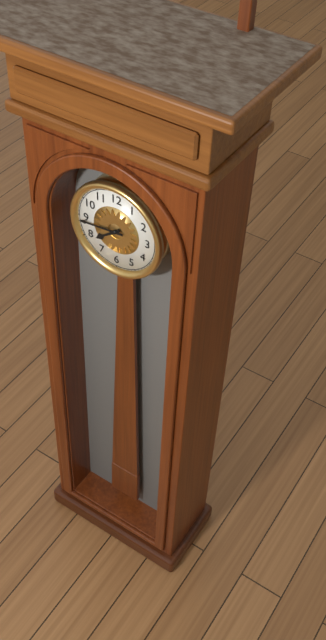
7,44
